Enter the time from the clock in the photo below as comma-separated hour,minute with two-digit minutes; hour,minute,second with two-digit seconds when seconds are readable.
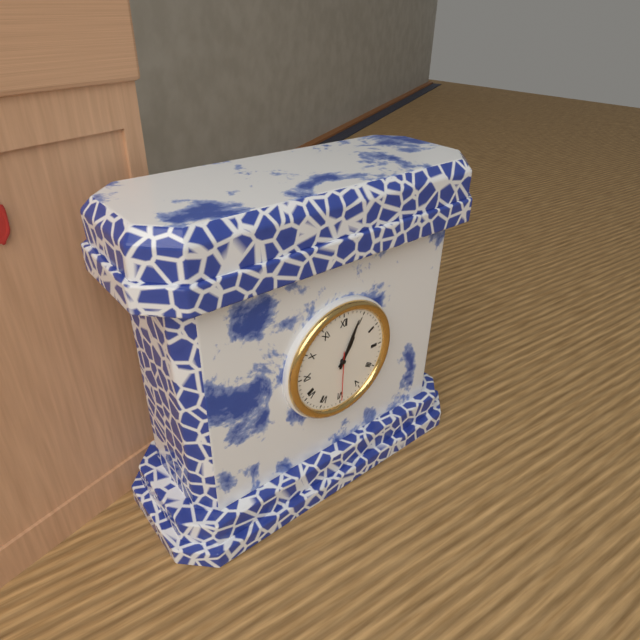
1,04,30
